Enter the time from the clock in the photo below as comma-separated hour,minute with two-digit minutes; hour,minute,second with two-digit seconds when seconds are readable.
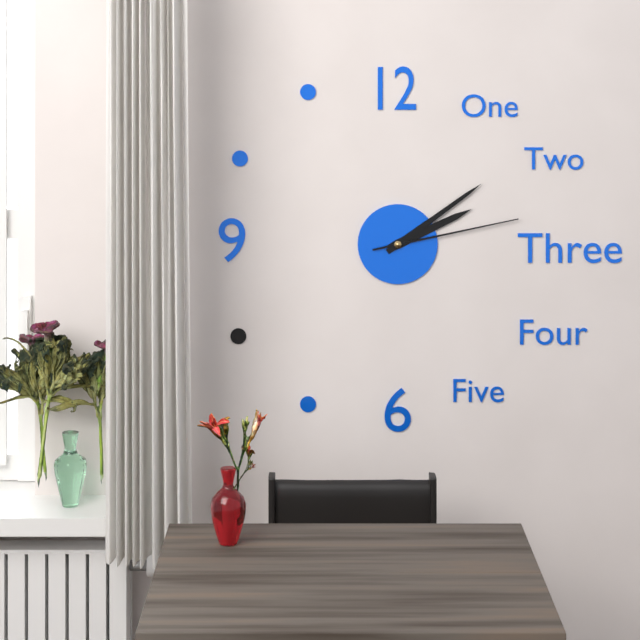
2,09,13
